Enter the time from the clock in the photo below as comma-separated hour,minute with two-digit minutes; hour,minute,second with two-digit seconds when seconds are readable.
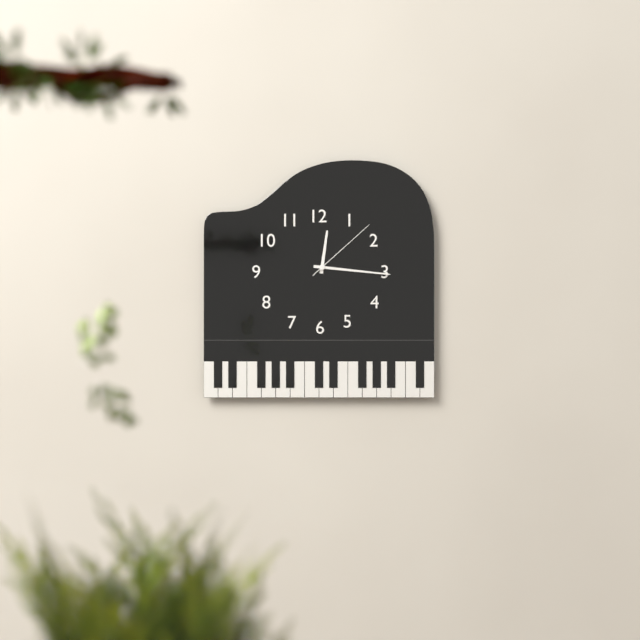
12,16,08
